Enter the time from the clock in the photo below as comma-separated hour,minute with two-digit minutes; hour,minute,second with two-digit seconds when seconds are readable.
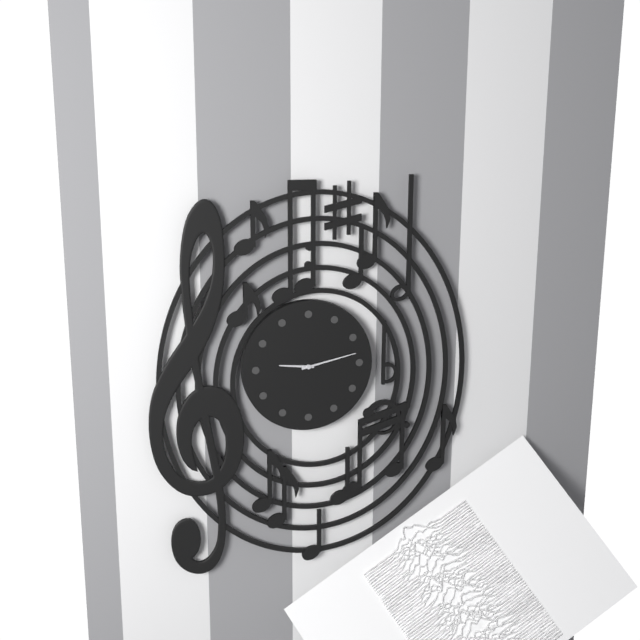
9,13
